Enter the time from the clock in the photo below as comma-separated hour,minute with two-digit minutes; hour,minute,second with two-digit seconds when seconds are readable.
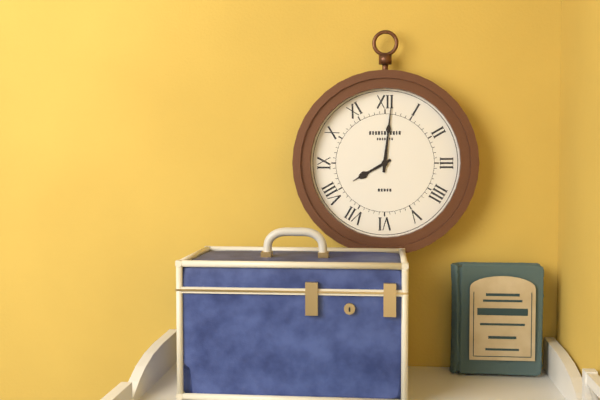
8,01
